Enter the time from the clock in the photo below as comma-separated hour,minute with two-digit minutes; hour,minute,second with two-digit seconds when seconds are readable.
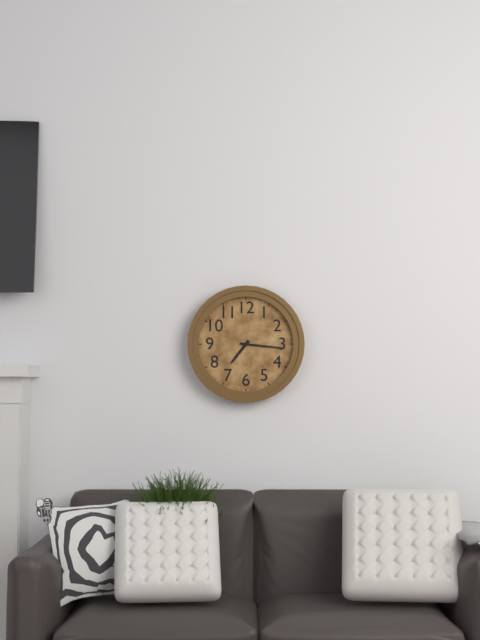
7,16
